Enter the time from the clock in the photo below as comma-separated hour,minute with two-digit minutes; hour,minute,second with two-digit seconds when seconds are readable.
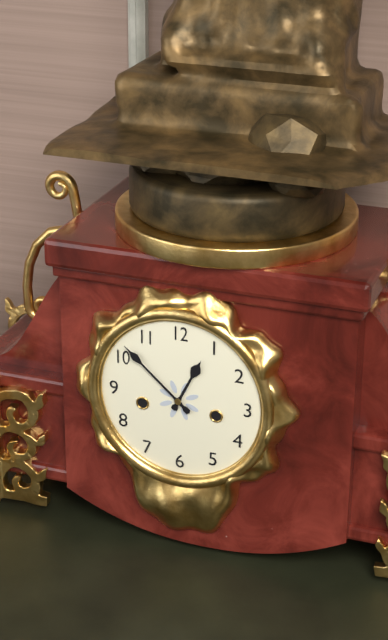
12,52
